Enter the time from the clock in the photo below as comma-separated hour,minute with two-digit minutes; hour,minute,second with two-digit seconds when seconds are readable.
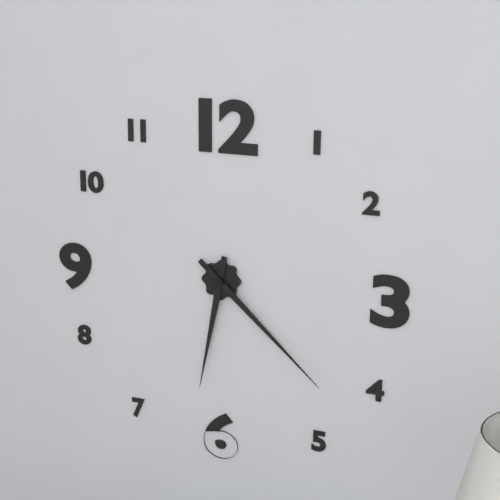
6,22
